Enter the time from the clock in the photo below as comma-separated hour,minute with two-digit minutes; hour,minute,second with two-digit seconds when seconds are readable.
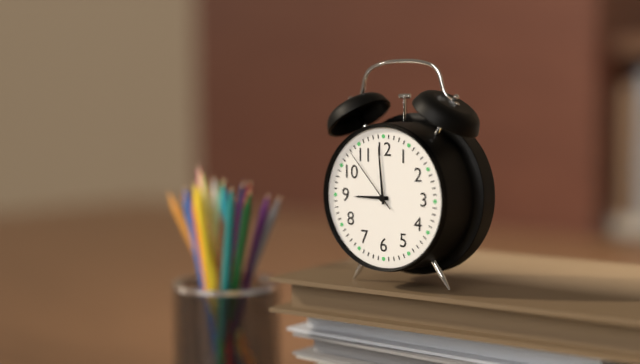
8,59,53
